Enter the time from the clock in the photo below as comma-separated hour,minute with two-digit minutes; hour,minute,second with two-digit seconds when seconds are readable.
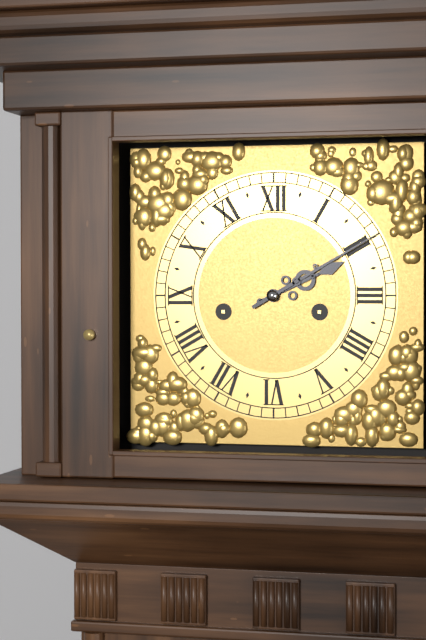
2,10
